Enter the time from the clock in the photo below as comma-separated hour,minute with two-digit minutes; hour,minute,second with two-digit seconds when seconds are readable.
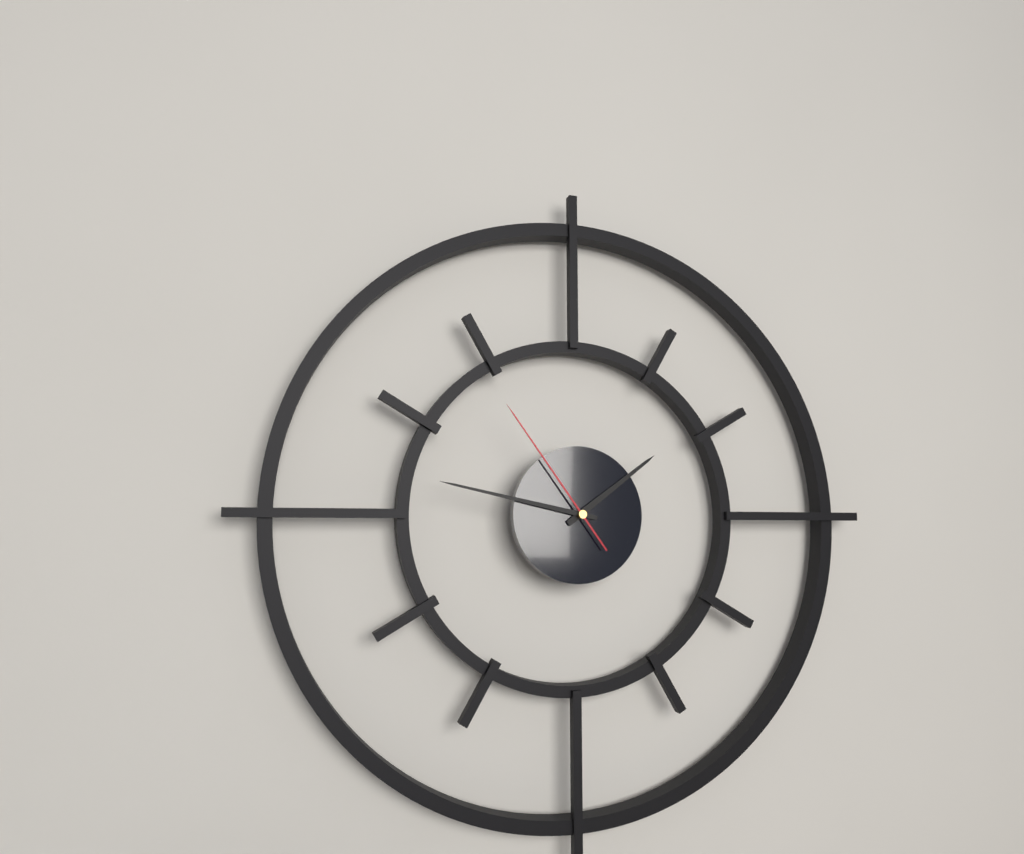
1,47,54
